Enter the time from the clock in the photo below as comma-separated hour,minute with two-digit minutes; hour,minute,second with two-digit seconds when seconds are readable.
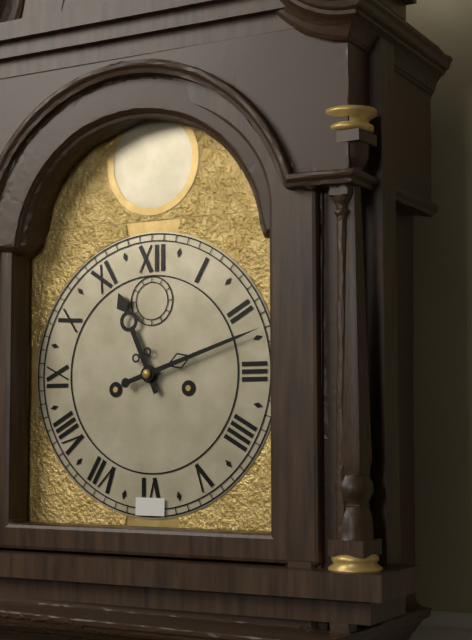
11,12
